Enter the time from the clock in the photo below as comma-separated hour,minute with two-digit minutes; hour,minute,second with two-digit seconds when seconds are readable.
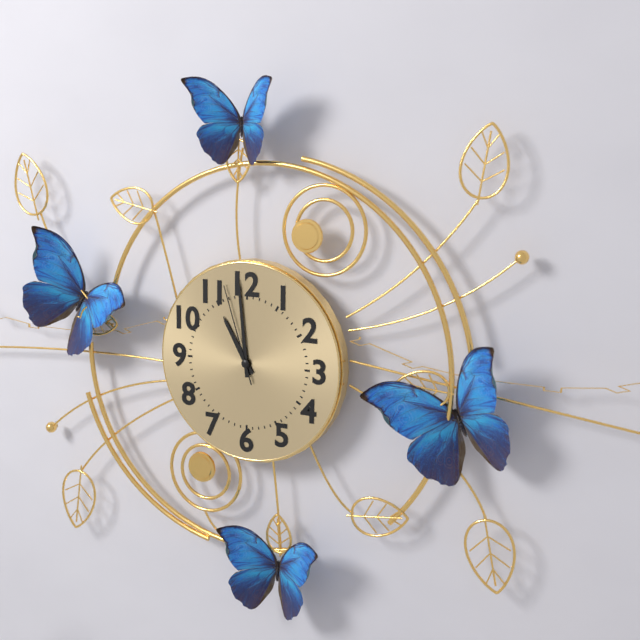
10,59,57
